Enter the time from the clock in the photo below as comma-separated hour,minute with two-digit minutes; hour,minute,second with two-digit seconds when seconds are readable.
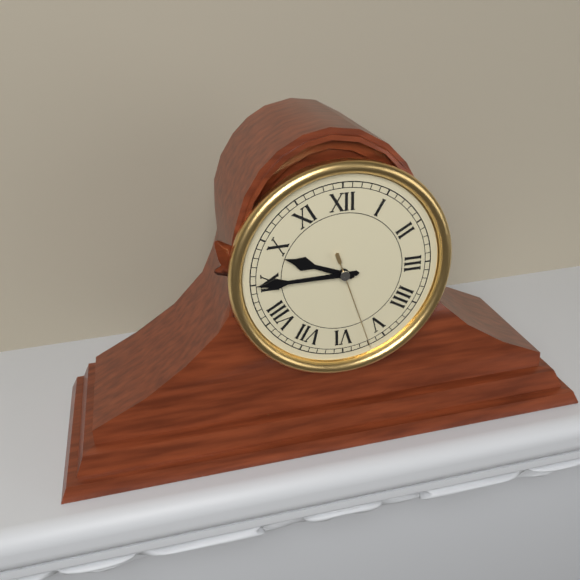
9,45,27
